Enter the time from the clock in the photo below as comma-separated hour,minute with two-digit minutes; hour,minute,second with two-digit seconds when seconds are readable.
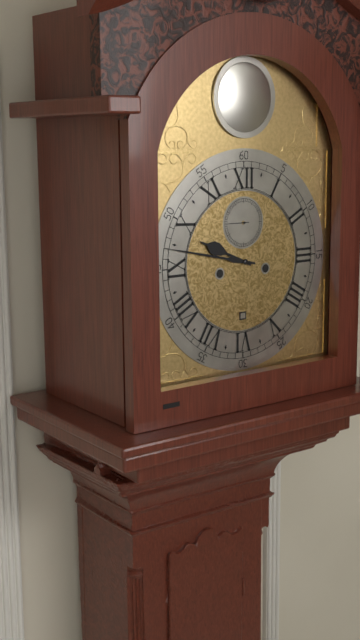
9,47
